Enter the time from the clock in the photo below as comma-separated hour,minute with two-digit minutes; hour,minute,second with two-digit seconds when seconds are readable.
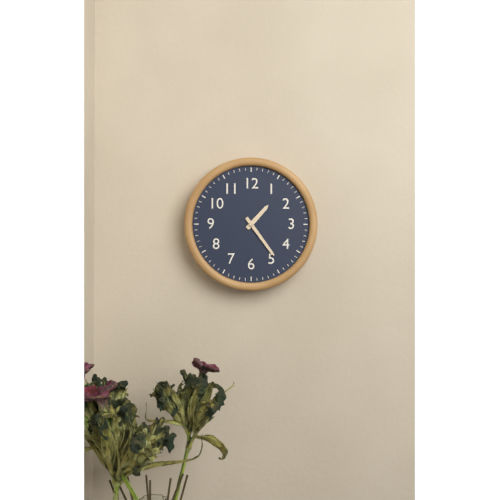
1,24
